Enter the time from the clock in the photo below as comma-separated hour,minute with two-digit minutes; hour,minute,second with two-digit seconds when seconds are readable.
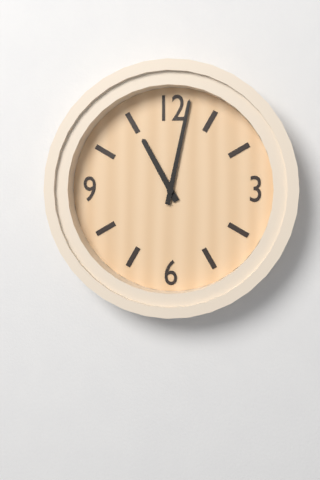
11,02
